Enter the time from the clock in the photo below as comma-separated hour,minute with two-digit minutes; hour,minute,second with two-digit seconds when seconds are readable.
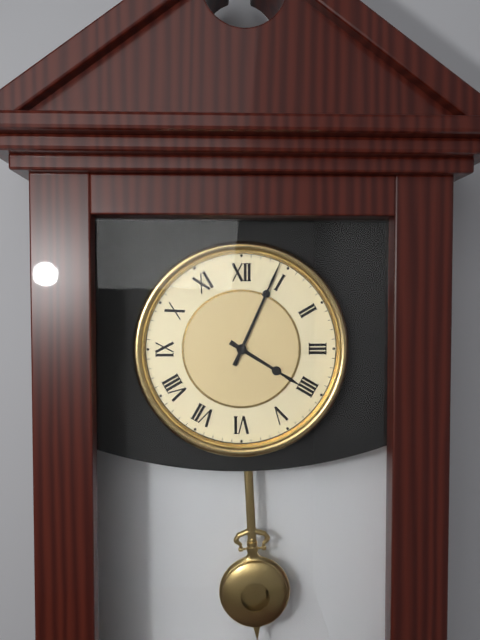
4,04
